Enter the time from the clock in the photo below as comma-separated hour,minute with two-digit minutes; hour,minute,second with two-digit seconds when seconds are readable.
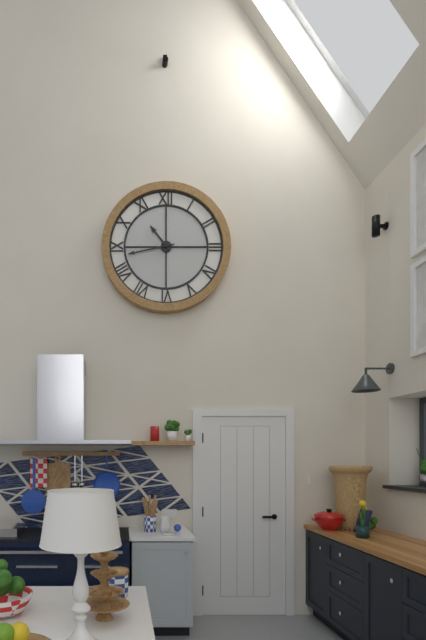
10,43
